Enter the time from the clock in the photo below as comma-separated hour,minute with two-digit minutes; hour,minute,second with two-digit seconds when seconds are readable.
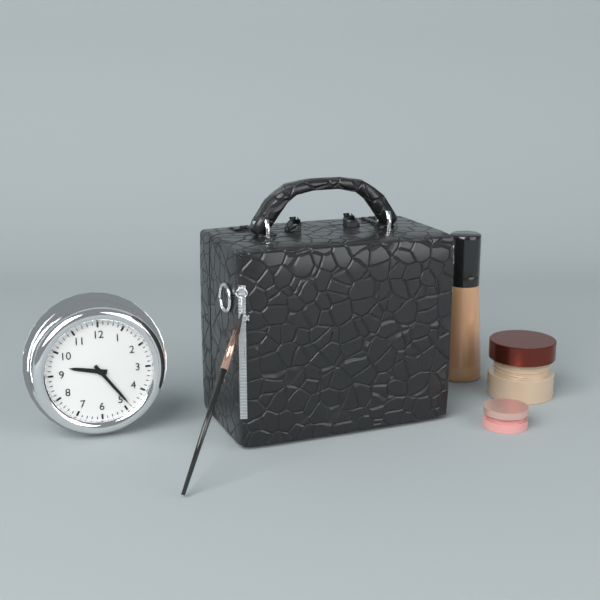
9,24
